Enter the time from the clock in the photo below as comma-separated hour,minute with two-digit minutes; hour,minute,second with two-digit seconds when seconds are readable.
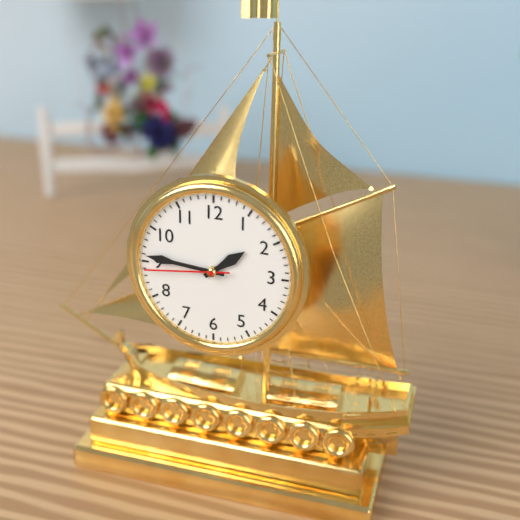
1,46,44
